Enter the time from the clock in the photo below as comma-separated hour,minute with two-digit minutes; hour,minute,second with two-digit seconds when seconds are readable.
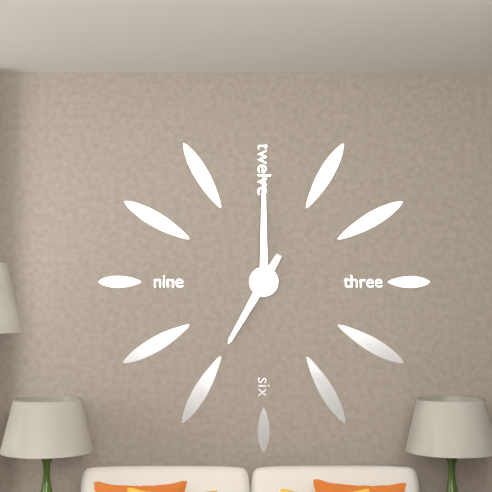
7,00
